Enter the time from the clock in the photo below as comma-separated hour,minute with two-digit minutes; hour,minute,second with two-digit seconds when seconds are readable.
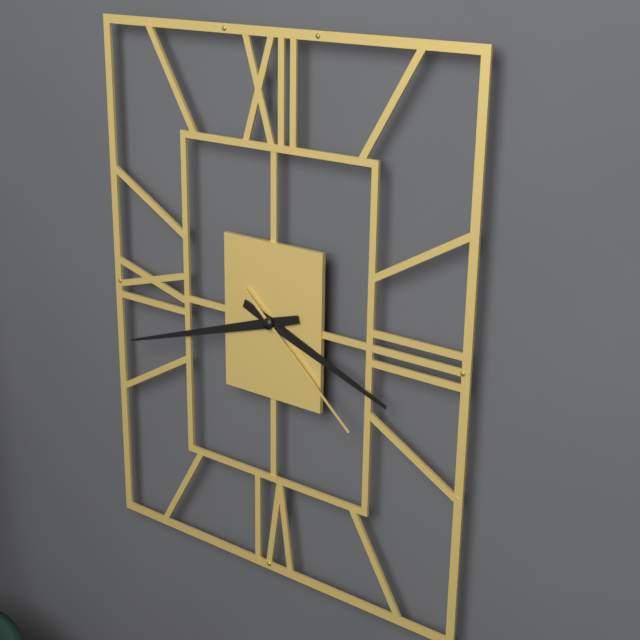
3,42,22
